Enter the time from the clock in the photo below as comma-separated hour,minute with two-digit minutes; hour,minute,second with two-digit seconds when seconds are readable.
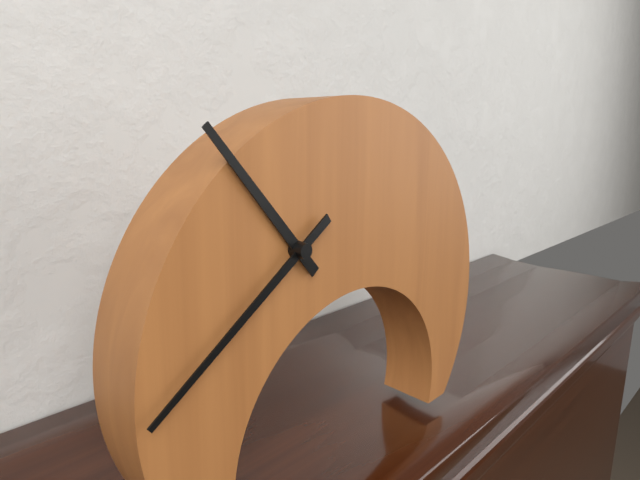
10,39
